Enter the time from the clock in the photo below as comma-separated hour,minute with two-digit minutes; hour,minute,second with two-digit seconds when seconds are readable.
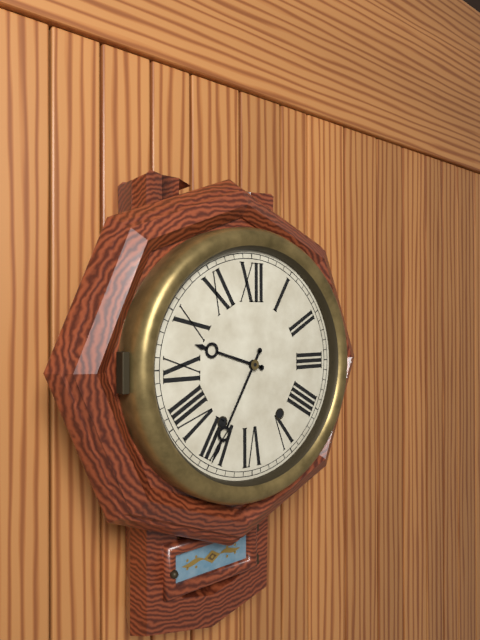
9,35
